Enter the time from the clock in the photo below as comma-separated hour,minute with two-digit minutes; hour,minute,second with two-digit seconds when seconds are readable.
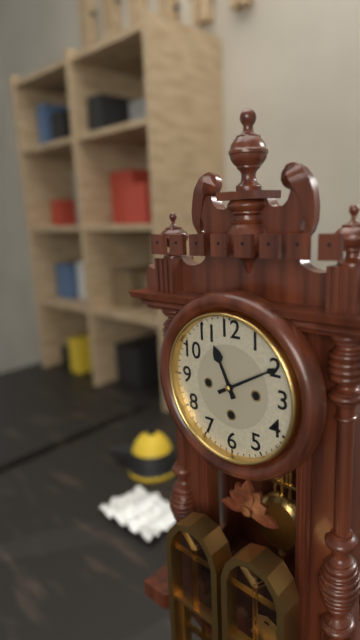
11,10
